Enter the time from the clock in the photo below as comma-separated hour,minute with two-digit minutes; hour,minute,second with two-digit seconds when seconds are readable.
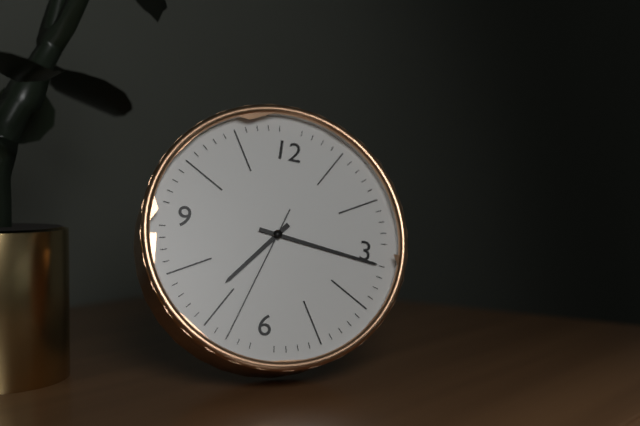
7,16,33
